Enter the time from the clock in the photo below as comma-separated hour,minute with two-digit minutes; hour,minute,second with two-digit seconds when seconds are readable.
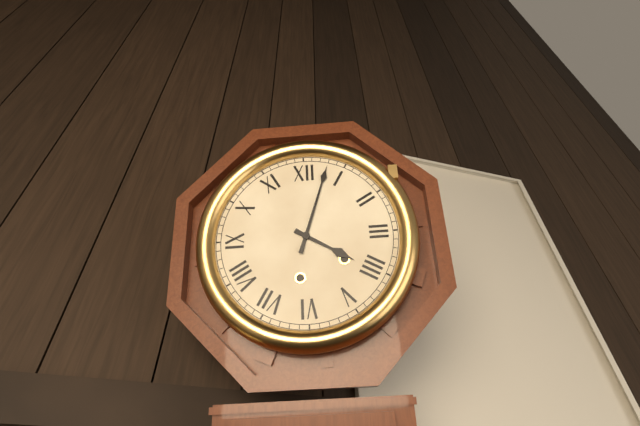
4,03
